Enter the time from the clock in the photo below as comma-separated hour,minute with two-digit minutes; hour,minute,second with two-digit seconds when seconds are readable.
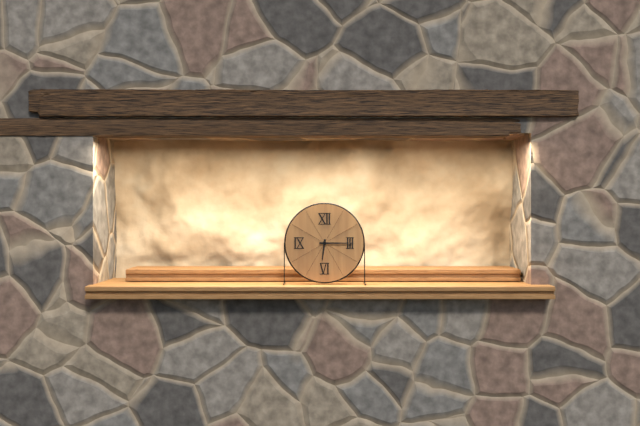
6,15
